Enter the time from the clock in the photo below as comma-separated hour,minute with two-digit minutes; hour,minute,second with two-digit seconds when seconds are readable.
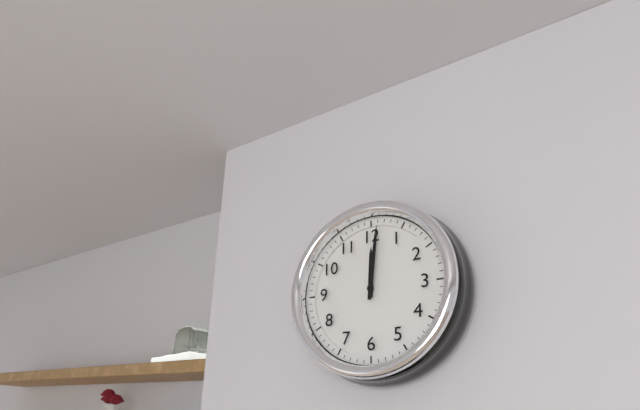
12,01
